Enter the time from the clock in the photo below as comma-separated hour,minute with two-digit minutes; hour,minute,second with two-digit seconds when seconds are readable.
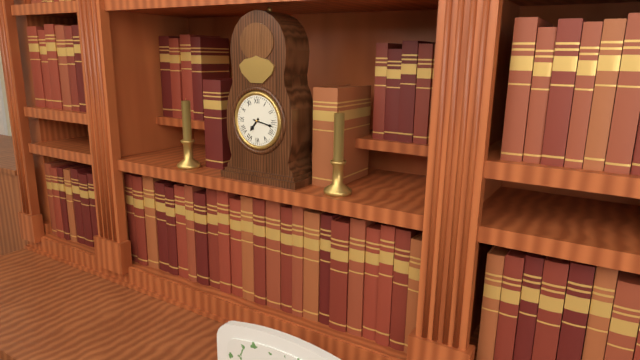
7,17
